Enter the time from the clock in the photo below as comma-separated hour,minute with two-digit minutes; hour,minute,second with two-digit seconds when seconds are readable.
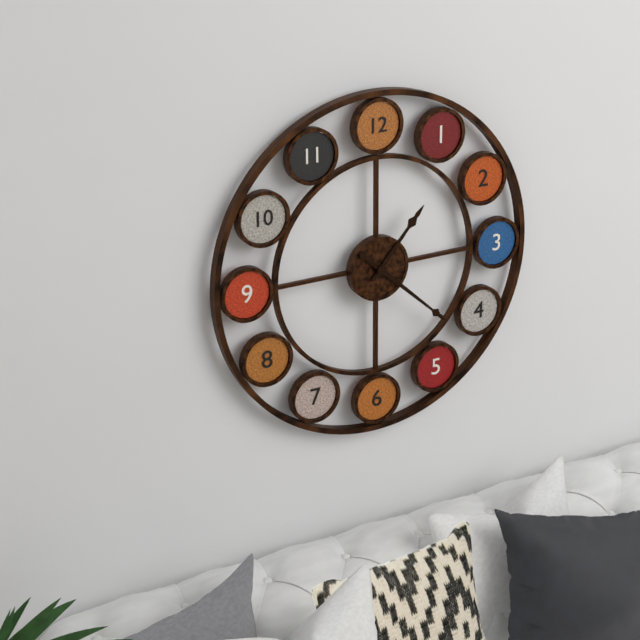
1,22
